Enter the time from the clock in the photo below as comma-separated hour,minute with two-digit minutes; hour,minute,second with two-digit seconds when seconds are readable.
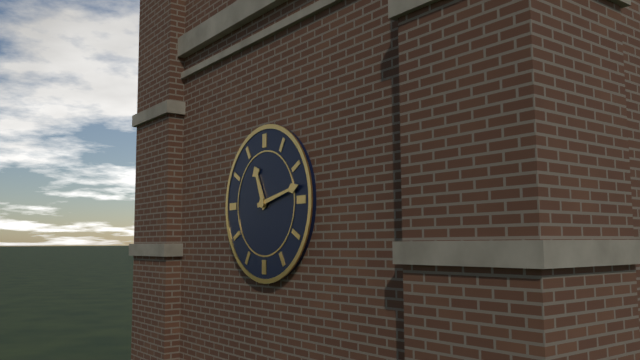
11,13
